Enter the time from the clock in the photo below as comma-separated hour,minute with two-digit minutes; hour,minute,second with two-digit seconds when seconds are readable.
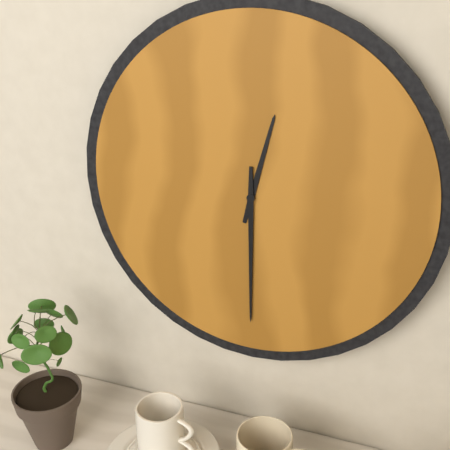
12,30
